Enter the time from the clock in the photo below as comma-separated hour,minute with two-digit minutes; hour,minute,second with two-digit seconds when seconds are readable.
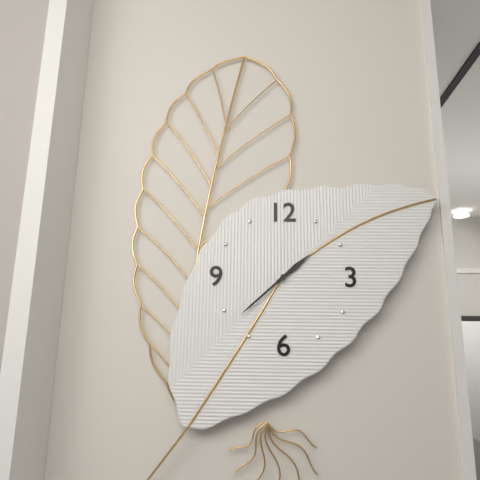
1,38
